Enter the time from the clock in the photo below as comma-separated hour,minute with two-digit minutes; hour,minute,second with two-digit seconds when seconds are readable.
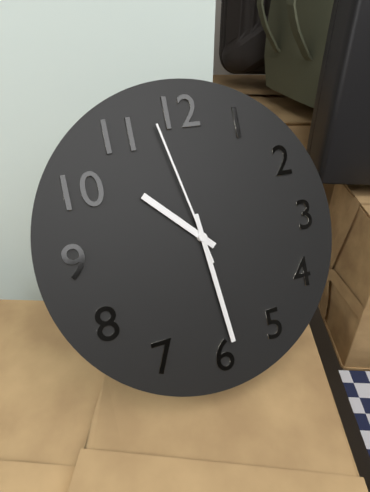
10,29,58
